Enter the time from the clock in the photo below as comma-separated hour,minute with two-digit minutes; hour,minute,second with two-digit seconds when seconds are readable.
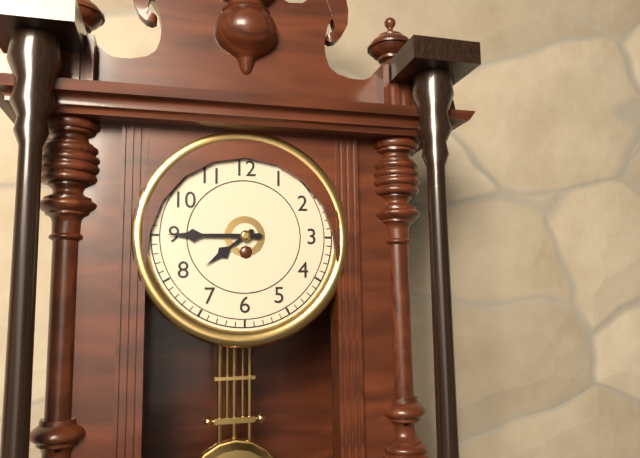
7,45
